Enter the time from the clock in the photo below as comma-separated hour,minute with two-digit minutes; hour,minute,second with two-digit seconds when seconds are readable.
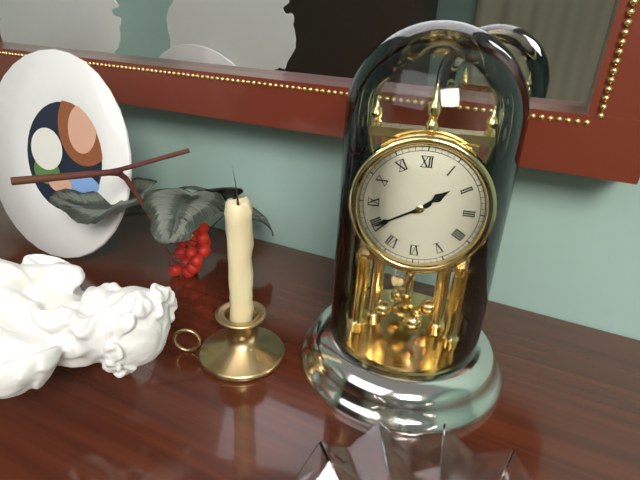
1,40
